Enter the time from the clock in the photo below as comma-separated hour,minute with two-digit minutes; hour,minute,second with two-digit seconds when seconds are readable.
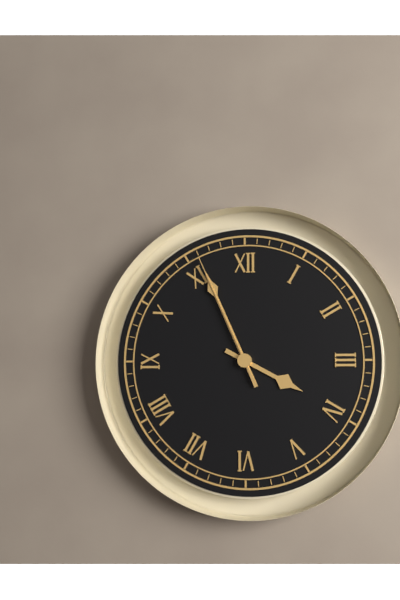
3,56,56
